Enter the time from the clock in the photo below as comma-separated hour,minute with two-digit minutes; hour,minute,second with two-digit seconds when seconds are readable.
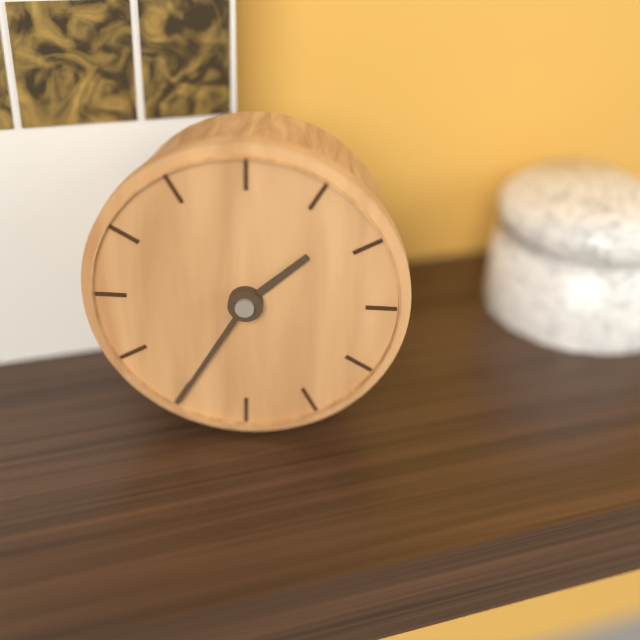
1,35
